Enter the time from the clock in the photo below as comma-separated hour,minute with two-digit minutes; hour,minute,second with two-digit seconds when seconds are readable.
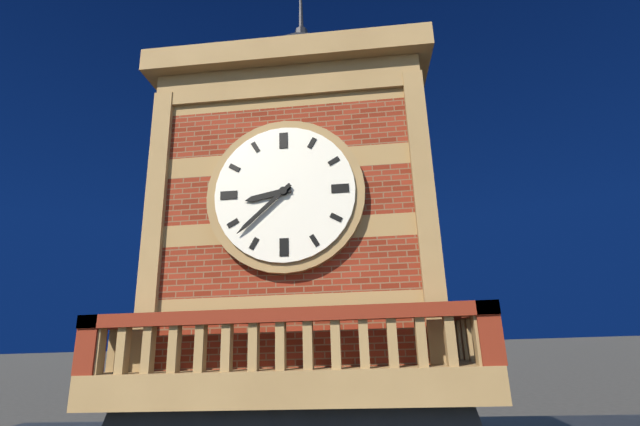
8,38
